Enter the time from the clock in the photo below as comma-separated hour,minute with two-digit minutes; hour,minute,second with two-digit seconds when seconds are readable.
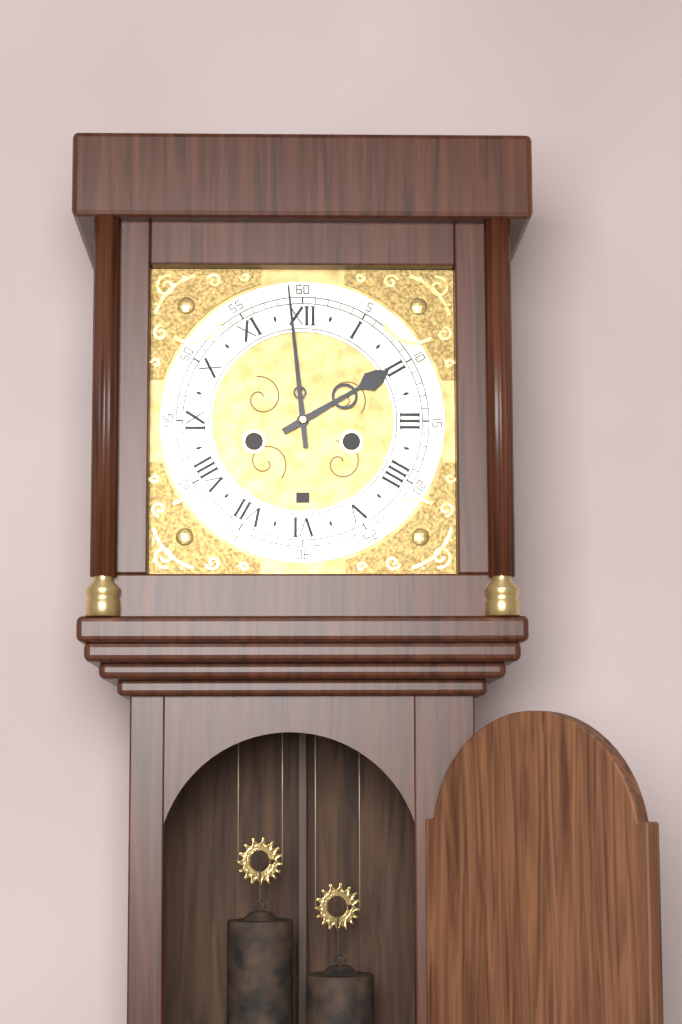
1,59
